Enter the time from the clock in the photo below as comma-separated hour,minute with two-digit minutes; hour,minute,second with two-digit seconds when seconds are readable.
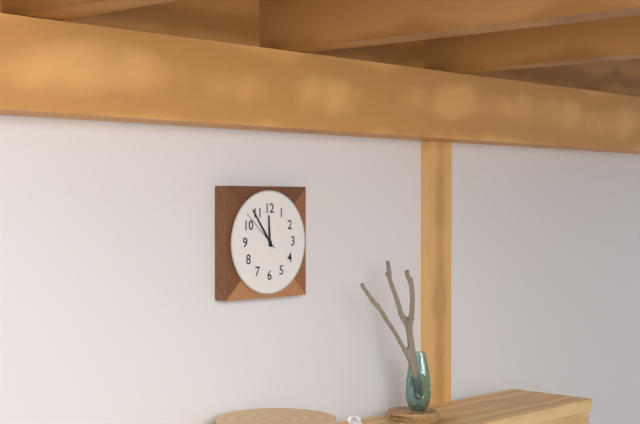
11,54
